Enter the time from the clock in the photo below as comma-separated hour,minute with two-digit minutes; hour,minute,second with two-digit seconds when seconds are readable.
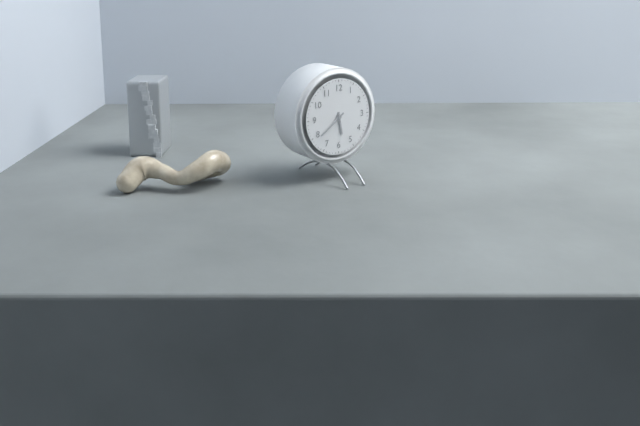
5,39
